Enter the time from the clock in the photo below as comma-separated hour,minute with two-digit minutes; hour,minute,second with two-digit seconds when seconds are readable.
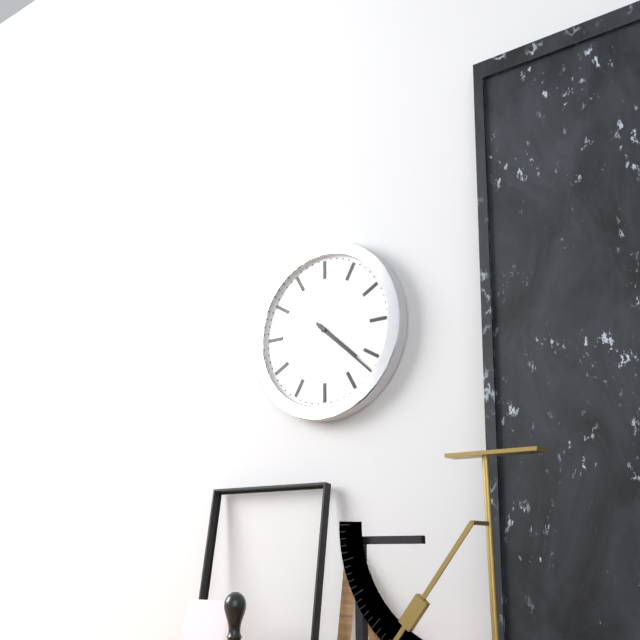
4,22
